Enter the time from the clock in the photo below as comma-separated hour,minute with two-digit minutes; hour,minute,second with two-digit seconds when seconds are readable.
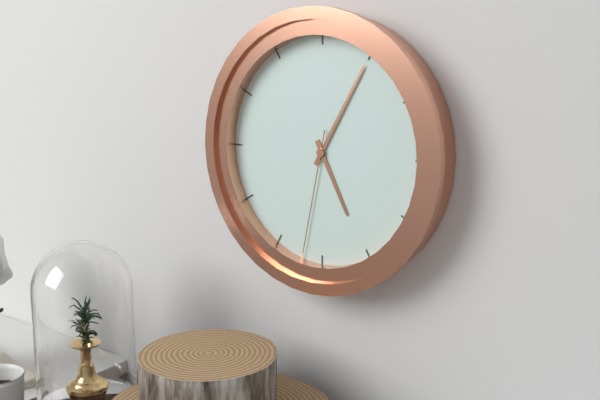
5,05,32
